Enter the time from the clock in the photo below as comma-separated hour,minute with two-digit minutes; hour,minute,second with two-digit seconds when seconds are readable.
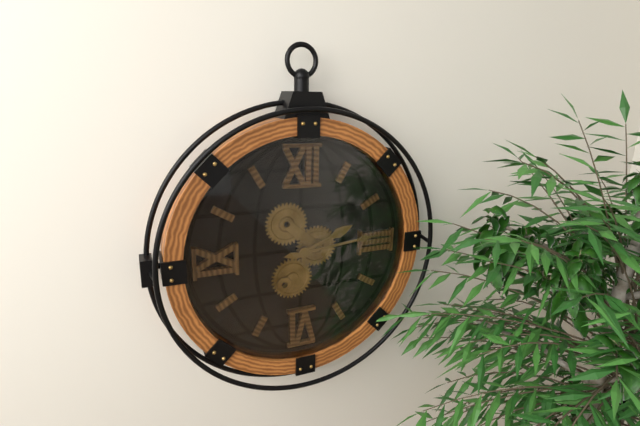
2,14
